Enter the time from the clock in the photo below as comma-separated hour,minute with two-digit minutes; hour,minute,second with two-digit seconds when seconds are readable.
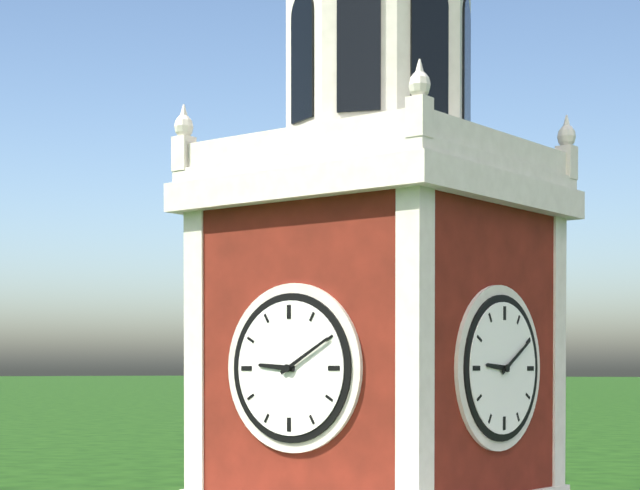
9,10
